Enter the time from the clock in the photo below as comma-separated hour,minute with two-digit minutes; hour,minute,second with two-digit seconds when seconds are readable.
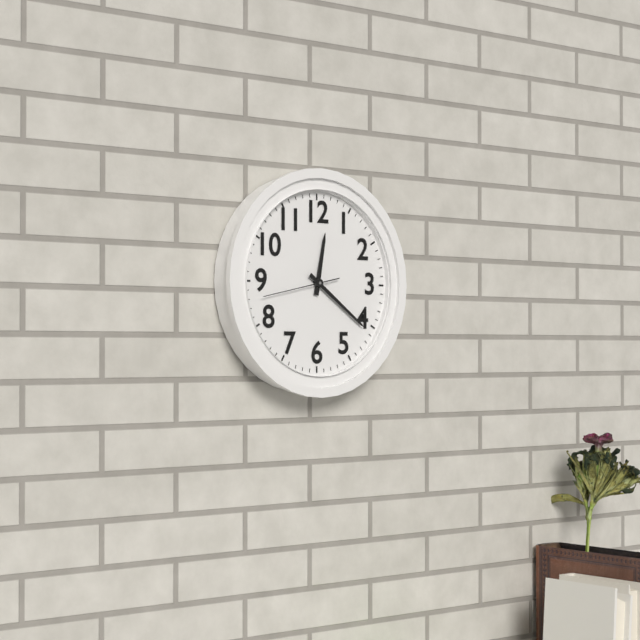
12,21,43
